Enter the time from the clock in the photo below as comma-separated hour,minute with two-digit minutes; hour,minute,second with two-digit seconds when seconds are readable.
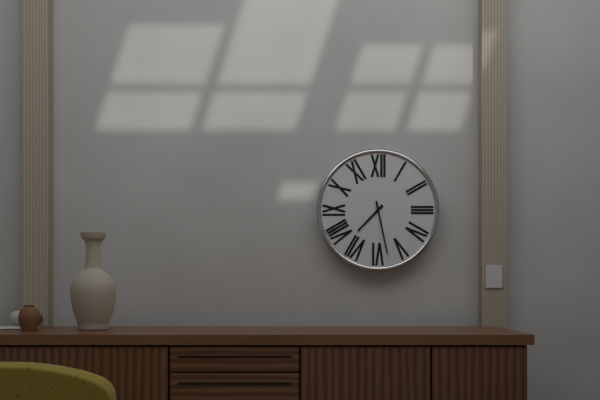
7,28
